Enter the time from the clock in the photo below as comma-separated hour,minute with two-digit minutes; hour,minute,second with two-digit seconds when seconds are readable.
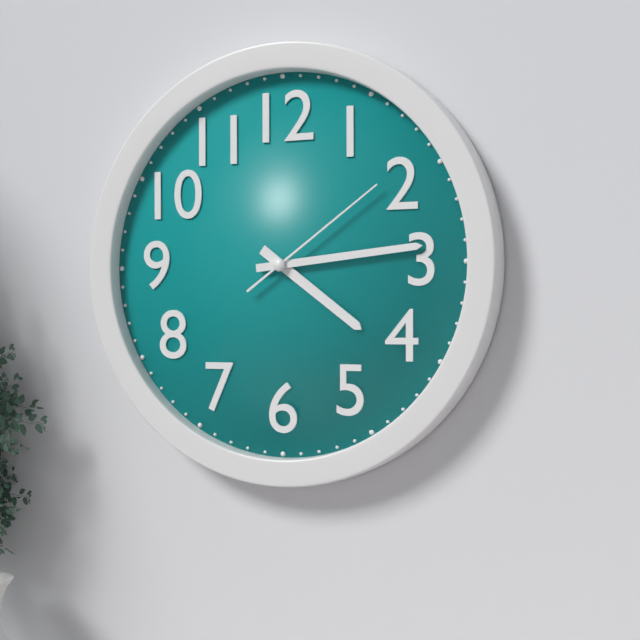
4,14,09
